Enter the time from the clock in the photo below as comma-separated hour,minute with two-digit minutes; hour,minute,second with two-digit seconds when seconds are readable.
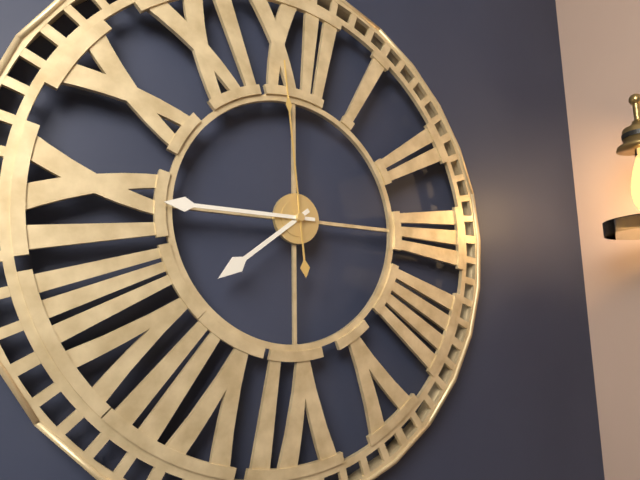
7,45,59
